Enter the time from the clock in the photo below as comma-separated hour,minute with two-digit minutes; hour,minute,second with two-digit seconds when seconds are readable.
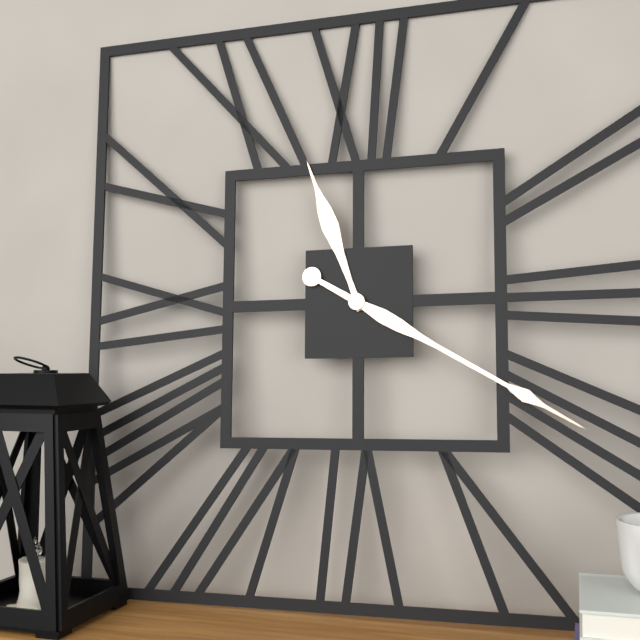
11,20
